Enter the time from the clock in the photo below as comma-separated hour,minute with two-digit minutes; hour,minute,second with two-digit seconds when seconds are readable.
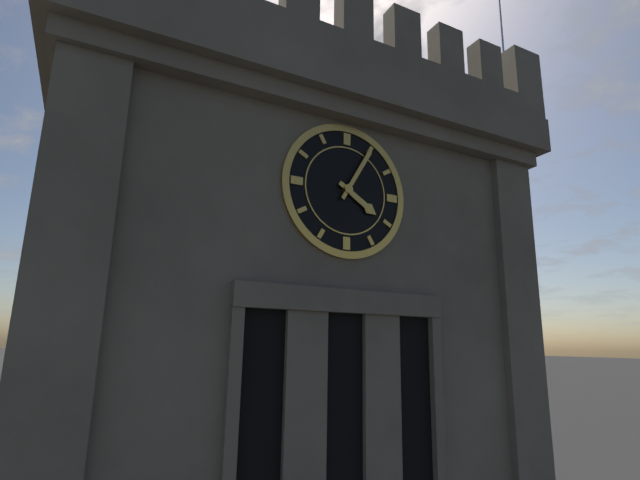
4,05
